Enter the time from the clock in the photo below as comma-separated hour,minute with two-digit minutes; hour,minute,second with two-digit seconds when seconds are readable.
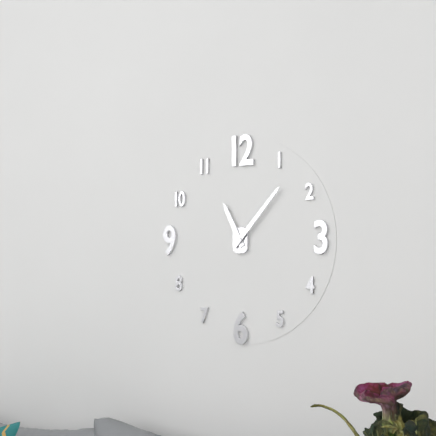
11,07
